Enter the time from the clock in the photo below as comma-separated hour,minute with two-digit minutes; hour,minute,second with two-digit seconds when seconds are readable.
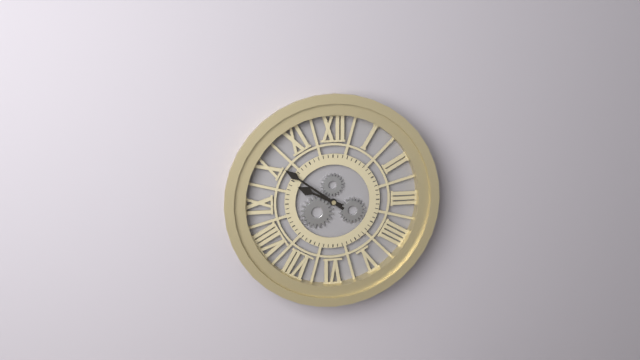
9,51
